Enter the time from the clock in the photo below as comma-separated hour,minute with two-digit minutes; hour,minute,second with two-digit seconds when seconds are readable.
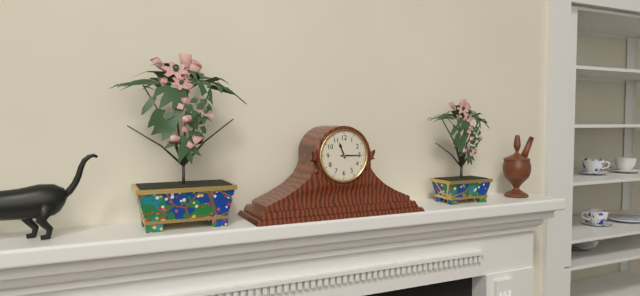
11,15
